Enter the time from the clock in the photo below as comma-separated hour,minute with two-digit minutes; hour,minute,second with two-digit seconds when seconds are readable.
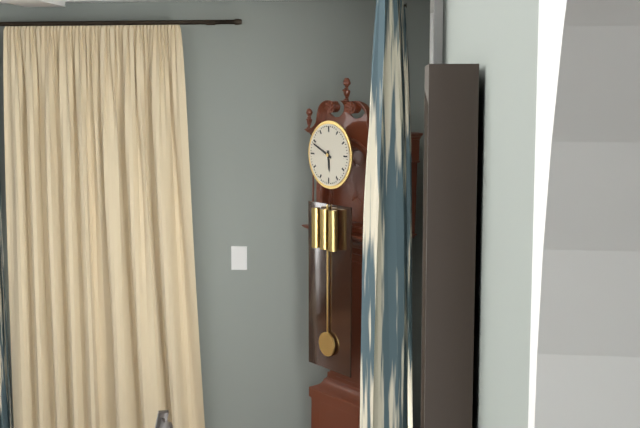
5,49
